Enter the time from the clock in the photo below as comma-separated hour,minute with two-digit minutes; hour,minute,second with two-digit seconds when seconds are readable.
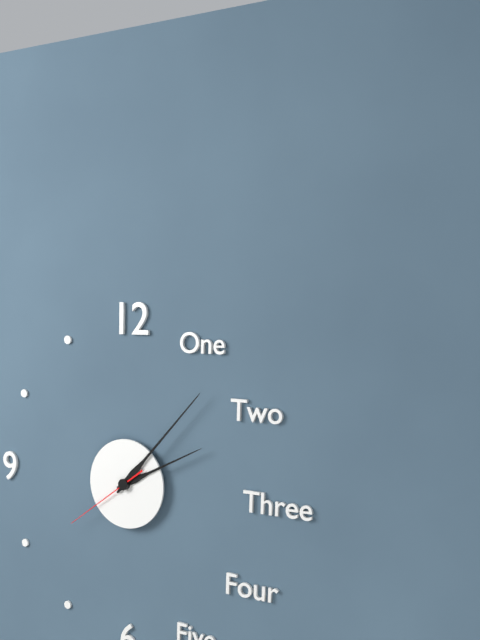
2,07,39
